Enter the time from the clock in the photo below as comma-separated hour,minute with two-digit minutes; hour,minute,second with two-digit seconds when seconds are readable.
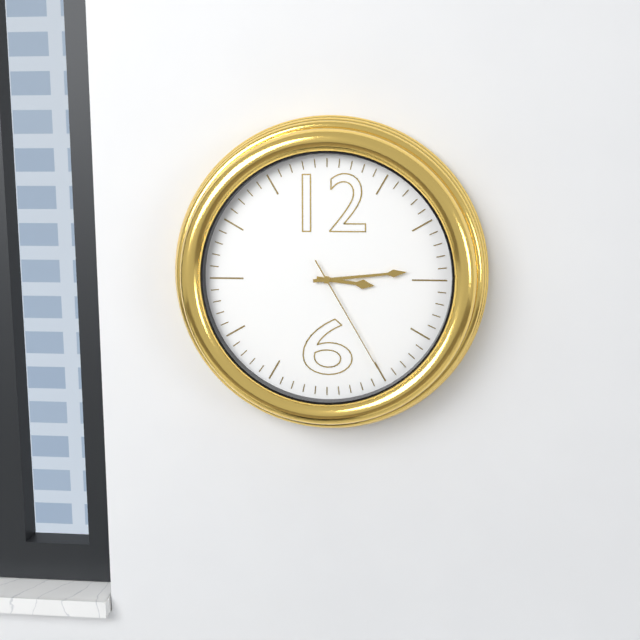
3,14,25
